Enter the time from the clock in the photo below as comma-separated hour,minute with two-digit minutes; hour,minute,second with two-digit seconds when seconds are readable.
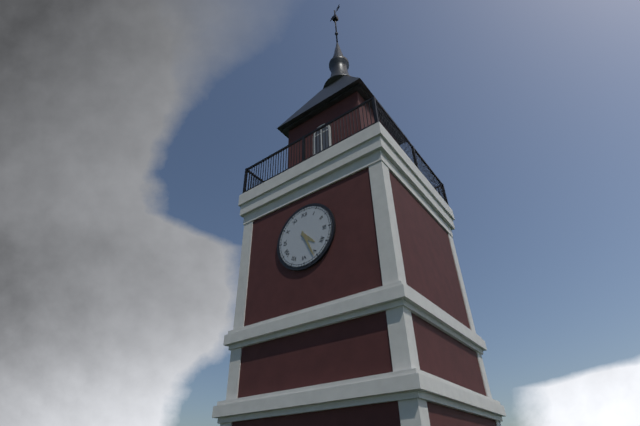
4,26
